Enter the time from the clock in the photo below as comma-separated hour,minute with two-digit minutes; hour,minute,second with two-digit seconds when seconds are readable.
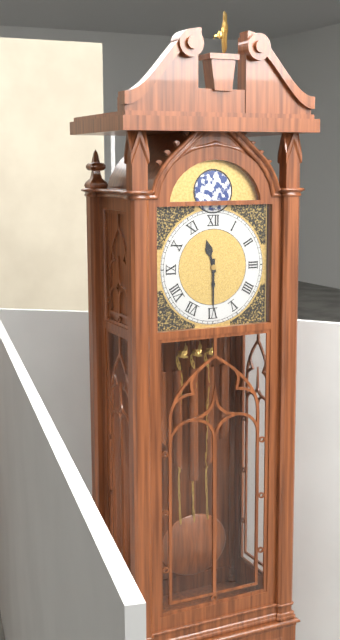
11,30
